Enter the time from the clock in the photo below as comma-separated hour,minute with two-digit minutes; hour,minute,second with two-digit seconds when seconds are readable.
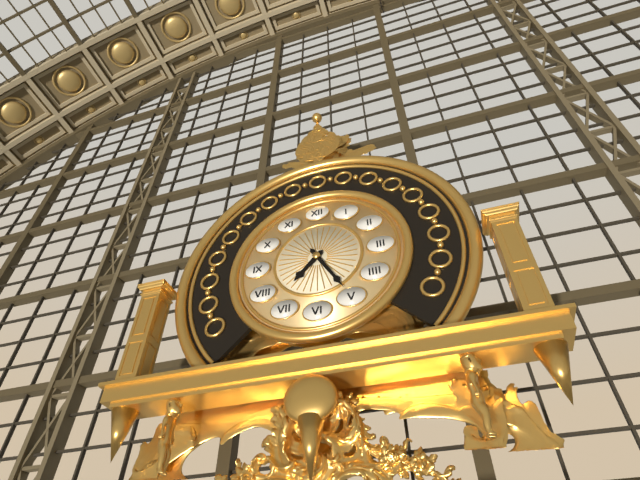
7,25
